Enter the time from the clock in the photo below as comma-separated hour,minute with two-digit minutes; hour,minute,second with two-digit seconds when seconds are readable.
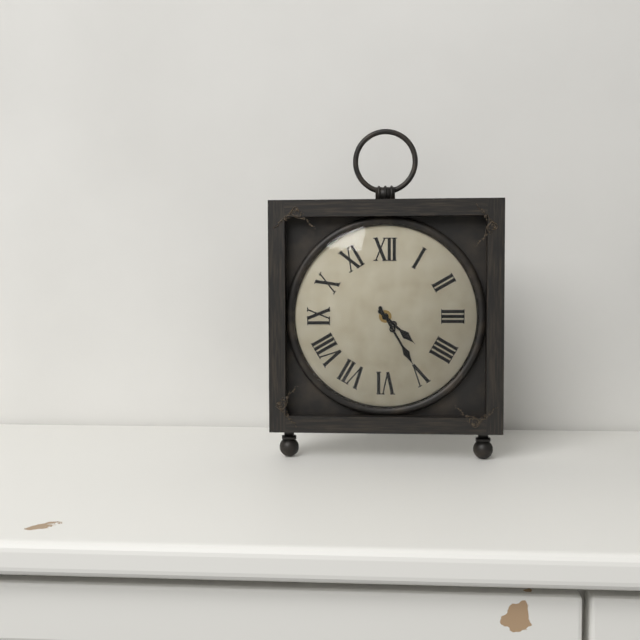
4,25
